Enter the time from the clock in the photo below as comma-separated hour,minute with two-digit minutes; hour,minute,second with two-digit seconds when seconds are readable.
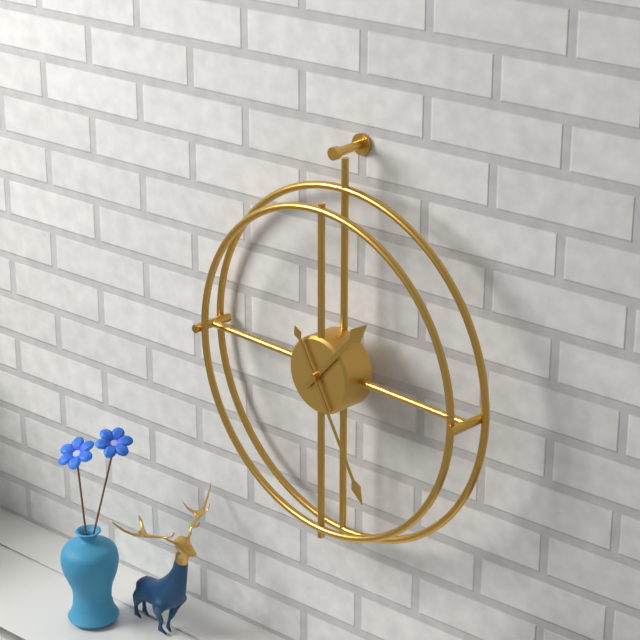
1,25
